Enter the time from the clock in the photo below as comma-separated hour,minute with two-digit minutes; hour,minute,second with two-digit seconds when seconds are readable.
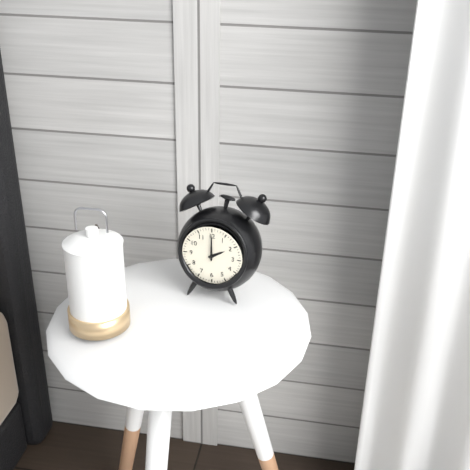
2,00
